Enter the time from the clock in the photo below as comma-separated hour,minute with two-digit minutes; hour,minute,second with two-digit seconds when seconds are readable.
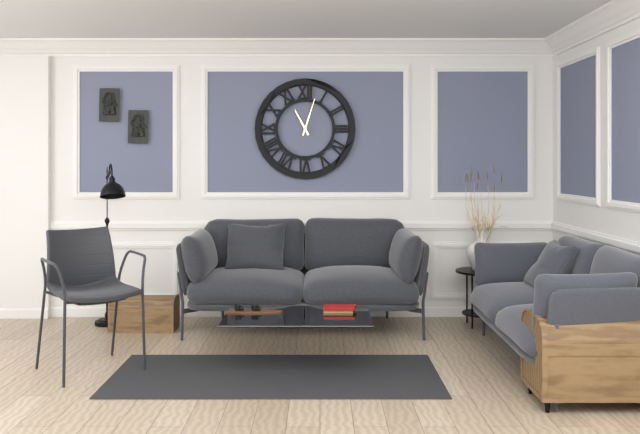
11,03
